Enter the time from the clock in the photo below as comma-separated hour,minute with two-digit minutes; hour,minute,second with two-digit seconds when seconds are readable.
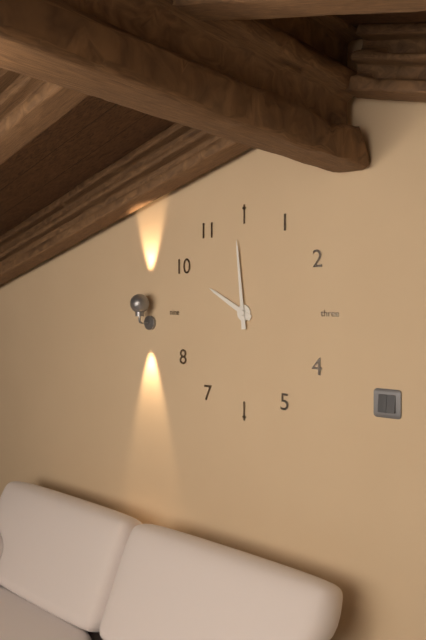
9,59
